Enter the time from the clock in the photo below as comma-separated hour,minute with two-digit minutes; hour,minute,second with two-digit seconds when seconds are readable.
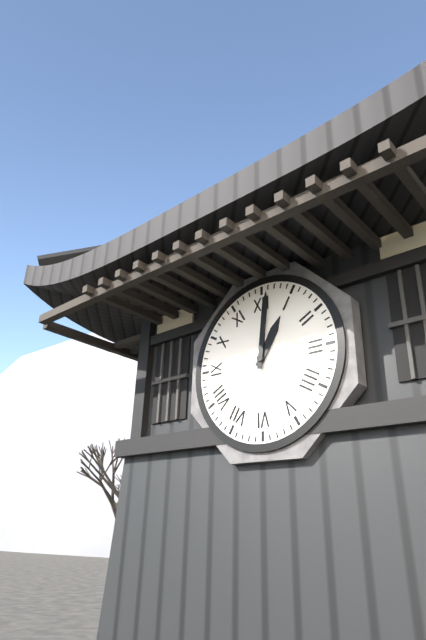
1,01
